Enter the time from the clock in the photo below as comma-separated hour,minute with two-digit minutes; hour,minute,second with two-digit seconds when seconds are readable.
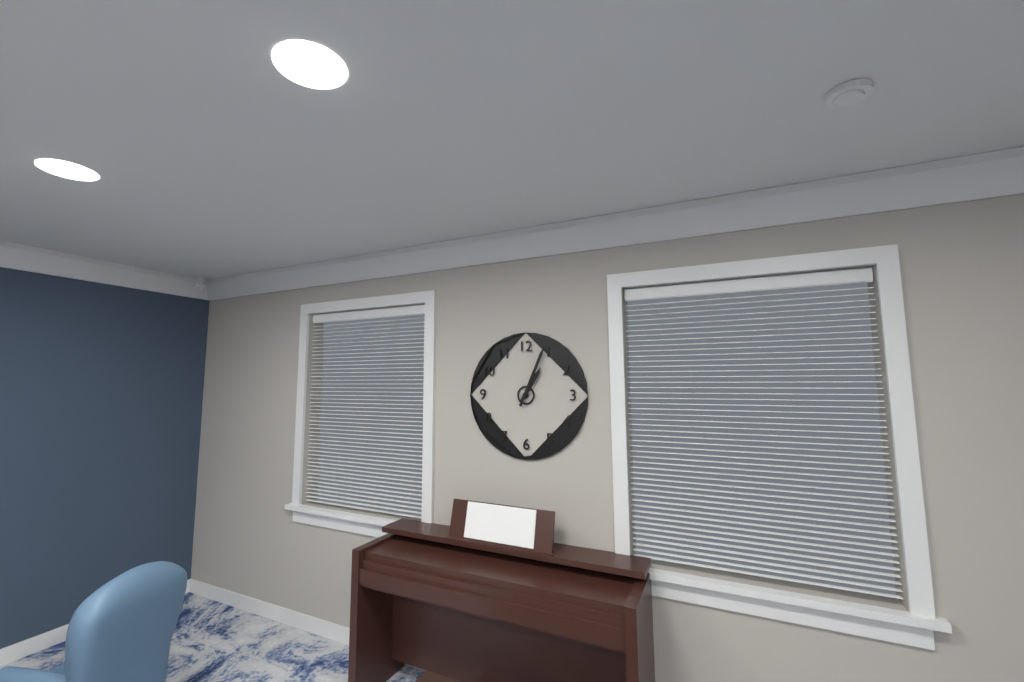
1,04
